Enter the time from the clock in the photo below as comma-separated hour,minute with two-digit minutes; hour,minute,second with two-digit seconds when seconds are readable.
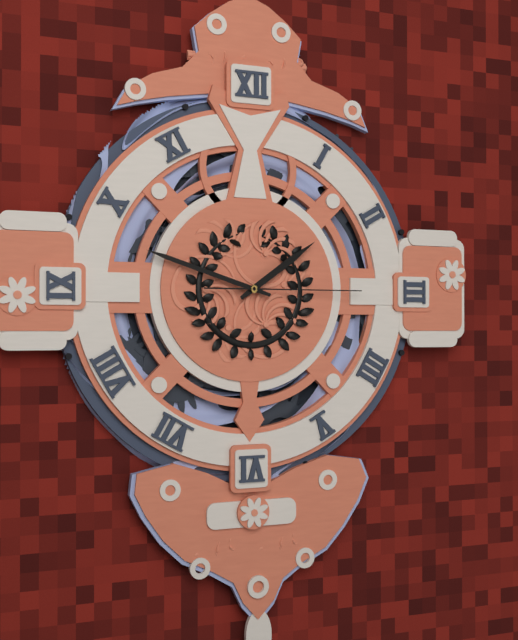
1,48,15
